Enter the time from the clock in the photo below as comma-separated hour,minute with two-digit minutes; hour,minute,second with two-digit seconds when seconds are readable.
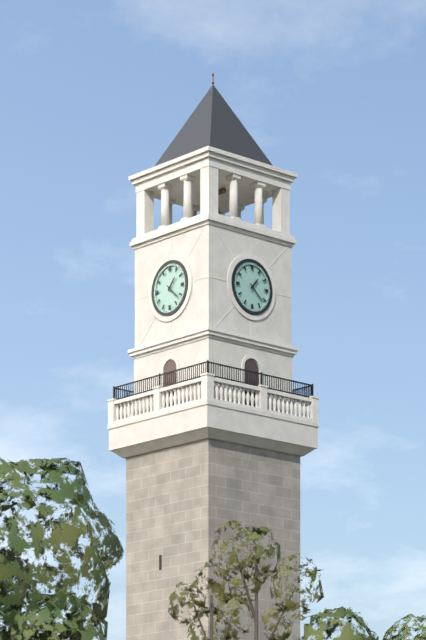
1,22
